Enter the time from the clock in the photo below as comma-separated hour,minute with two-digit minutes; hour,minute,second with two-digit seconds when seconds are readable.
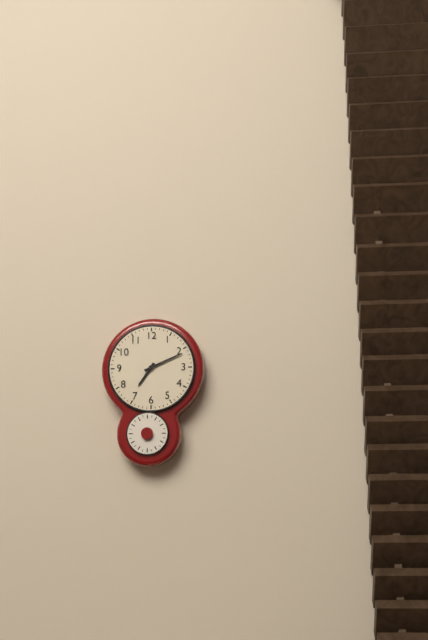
7,11
